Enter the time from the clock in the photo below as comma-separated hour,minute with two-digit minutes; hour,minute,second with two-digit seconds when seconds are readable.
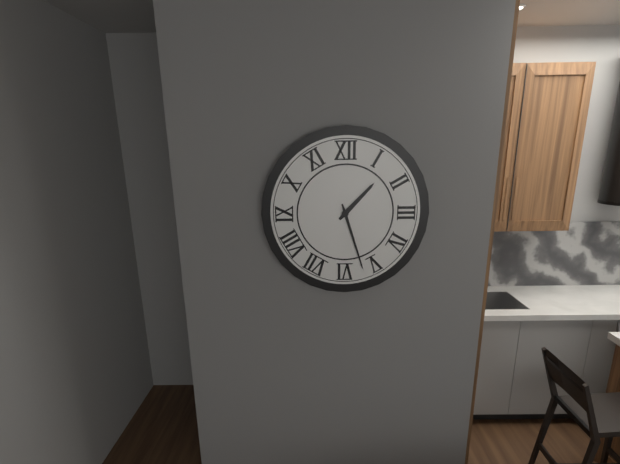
1,27
